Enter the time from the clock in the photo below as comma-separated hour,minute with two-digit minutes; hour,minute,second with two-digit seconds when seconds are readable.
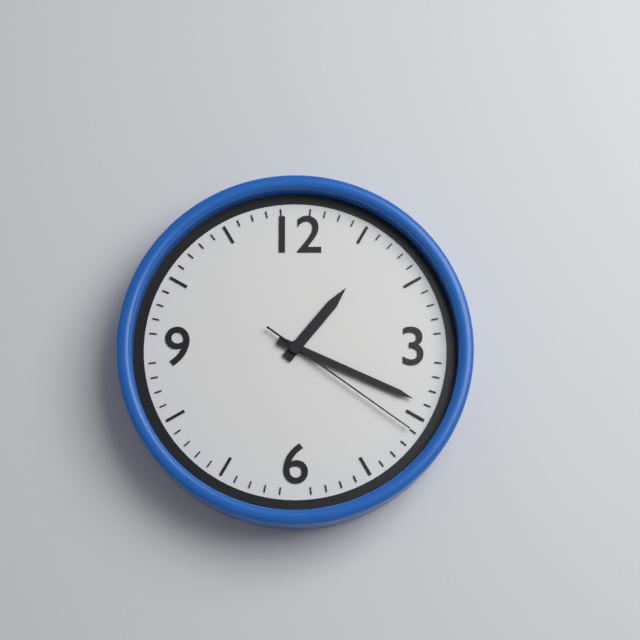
1,19,21
